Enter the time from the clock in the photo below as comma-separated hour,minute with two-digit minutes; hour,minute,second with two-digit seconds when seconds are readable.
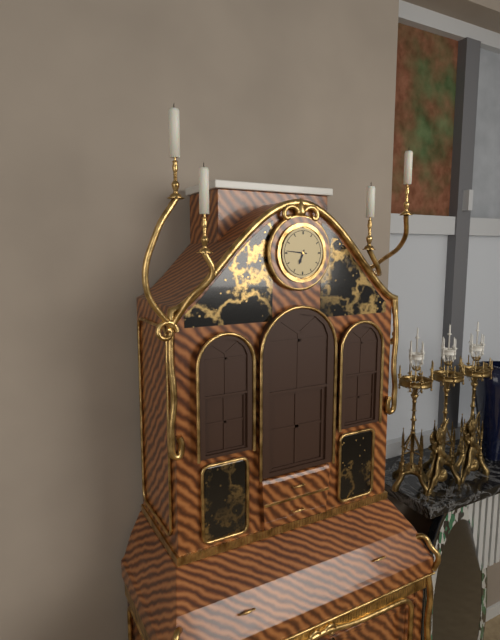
6,46
